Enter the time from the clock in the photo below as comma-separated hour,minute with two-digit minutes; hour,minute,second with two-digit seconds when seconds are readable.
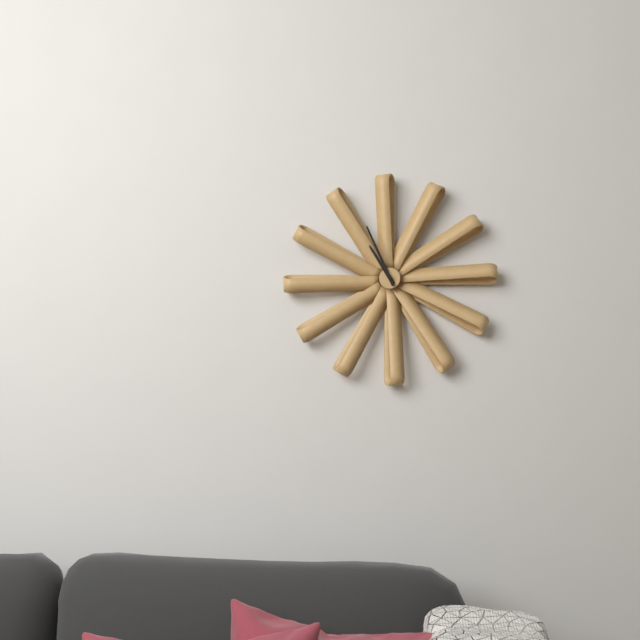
10,56
